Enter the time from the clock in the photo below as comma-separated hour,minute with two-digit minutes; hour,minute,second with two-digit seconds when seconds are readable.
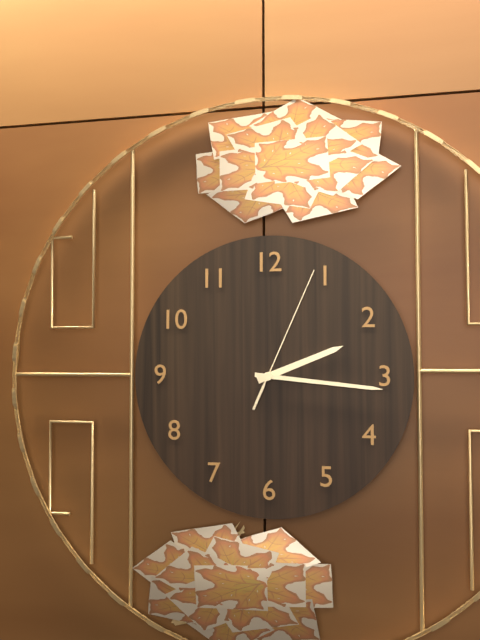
2,16,04
